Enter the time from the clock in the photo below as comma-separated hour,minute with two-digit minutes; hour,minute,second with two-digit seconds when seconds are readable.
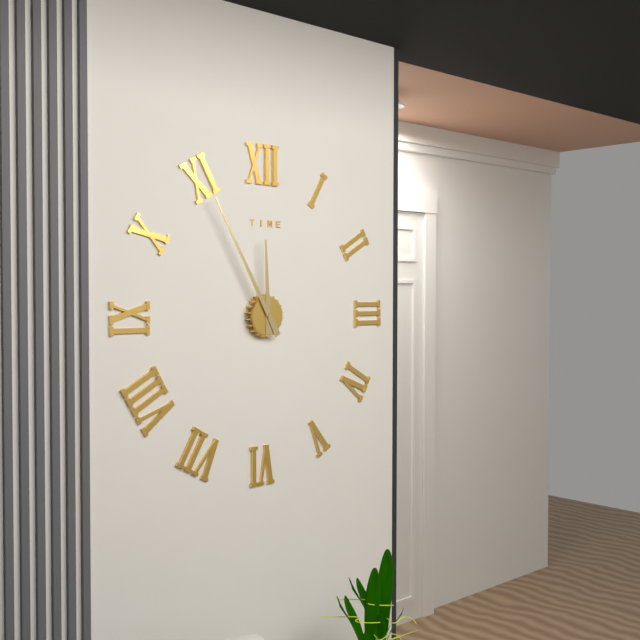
11,55
